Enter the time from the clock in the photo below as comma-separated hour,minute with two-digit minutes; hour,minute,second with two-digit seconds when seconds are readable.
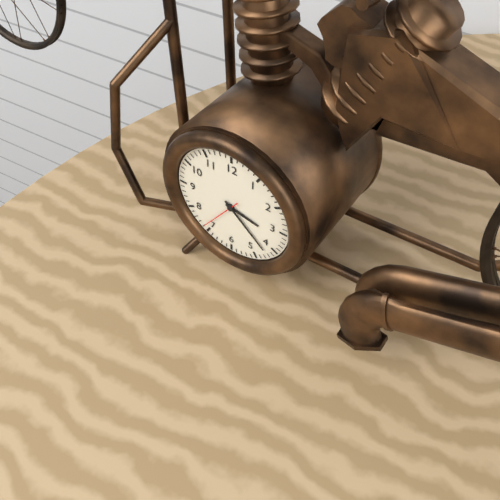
3,22
